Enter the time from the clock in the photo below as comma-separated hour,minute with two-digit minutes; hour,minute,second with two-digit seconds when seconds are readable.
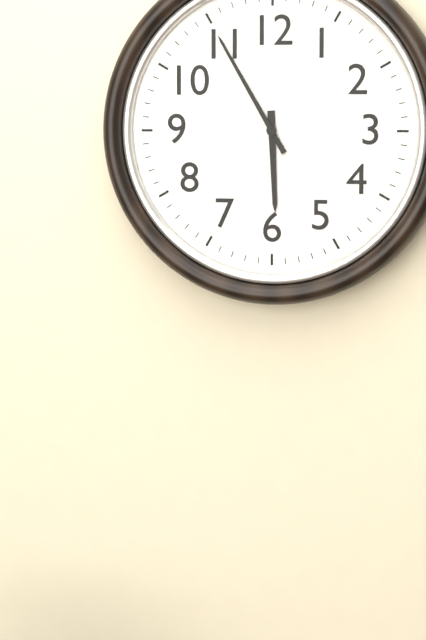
5,55
